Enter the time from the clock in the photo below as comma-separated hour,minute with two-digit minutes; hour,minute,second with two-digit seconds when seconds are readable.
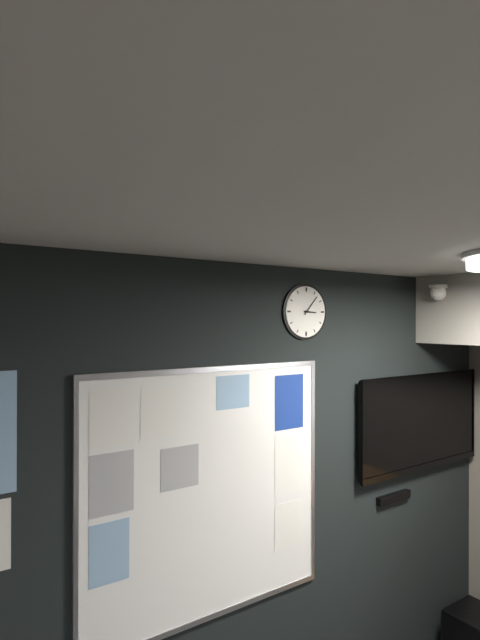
3,07
